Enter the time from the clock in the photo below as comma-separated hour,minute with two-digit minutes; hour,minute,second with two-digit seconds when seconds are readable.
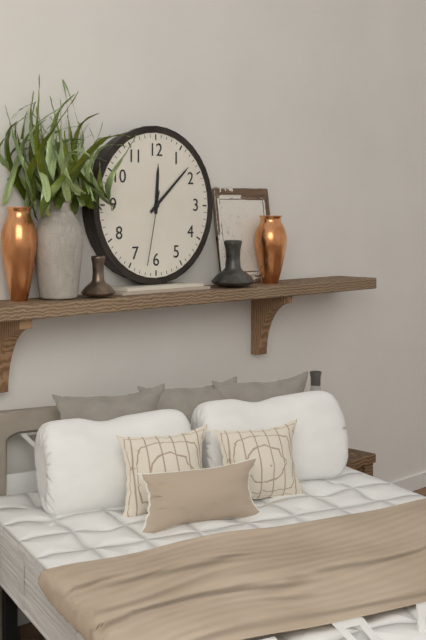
12,08,32
